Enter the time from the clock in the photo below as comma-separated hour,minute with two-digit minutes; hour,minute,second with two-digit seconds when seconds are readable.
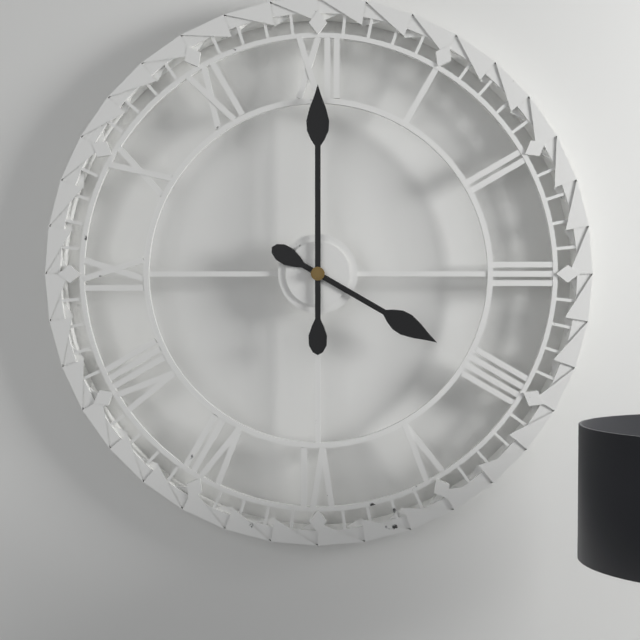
4,00
